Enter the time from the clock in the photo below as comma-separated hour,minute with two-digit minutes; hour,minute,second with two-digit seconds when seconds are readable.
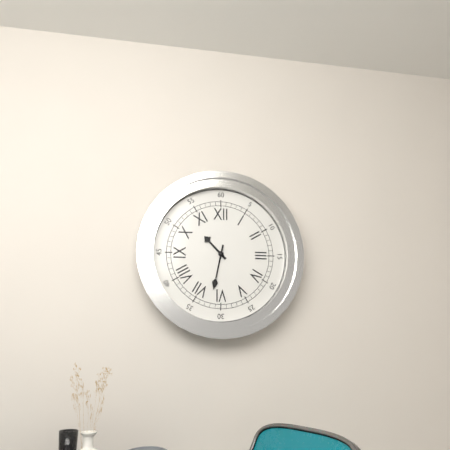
10,32
